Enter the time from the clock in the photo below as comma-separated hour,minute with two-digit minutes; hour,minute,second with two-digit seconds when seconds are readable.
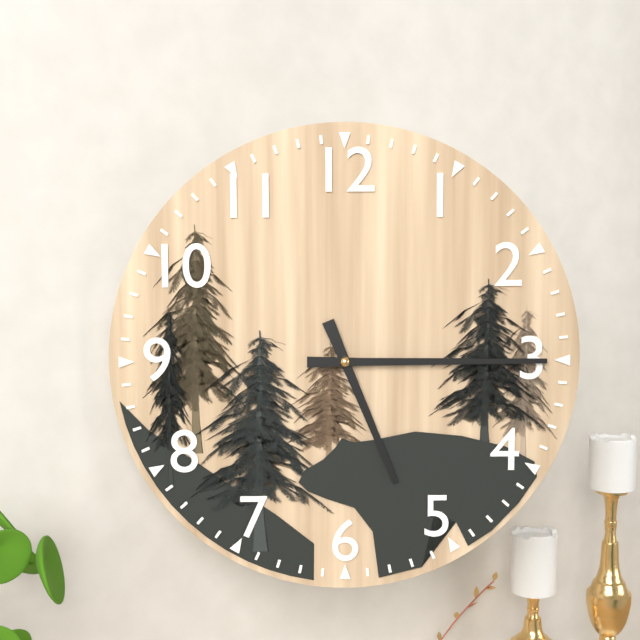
5,15
